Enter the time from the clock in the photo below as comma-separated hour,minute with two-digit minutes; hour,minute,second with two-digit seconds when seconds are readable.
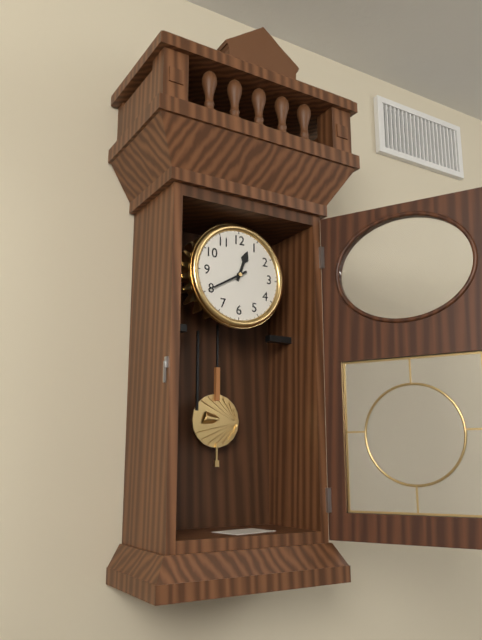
12,40
